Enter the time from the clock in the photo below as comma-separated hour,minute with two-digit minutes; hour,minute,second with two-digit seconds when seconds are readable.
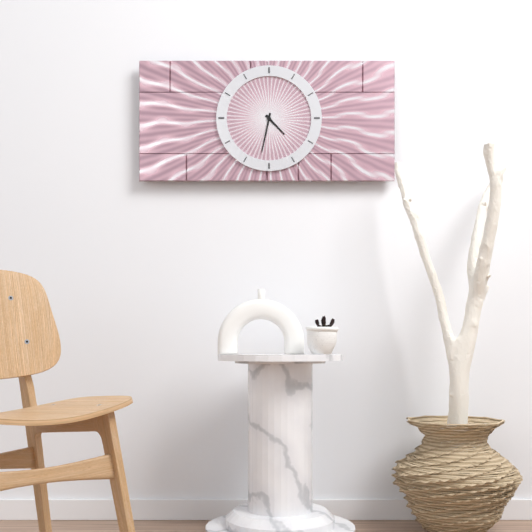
4,32
